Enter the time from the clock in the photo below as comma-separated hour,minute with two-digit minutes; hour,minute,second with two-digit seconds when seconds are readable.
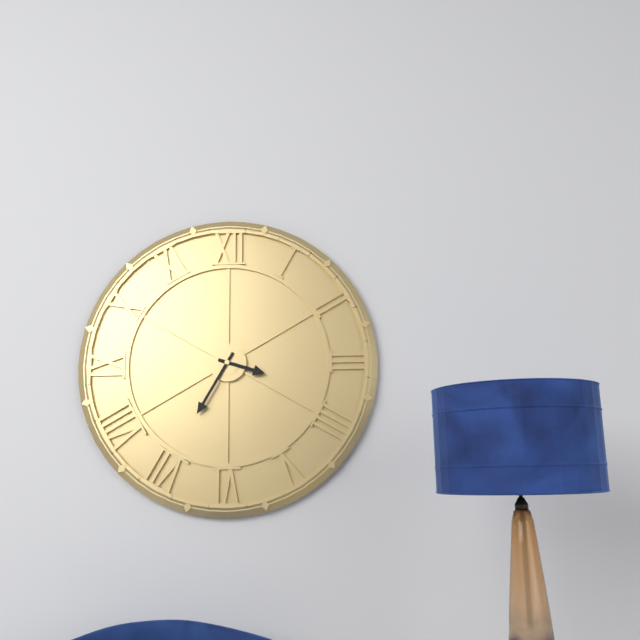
3,35
